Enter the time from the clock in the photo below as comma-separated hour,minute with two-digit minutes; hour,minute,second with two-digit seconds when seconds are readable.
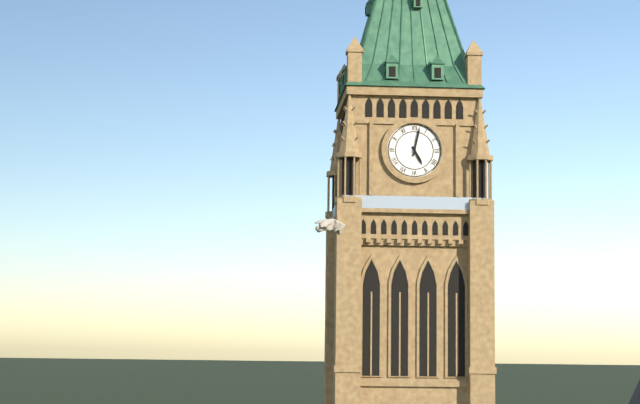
5,02
